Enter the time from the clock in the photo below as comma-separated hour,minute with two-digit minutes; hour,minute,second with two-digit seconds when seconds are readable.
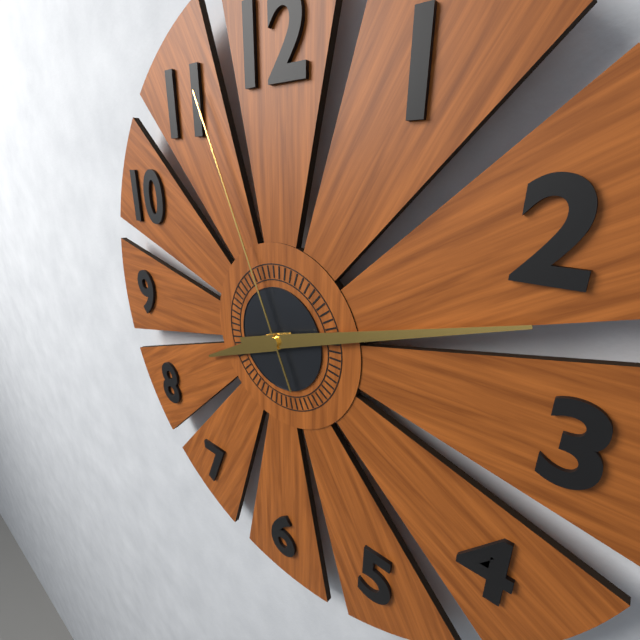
8,12,56
